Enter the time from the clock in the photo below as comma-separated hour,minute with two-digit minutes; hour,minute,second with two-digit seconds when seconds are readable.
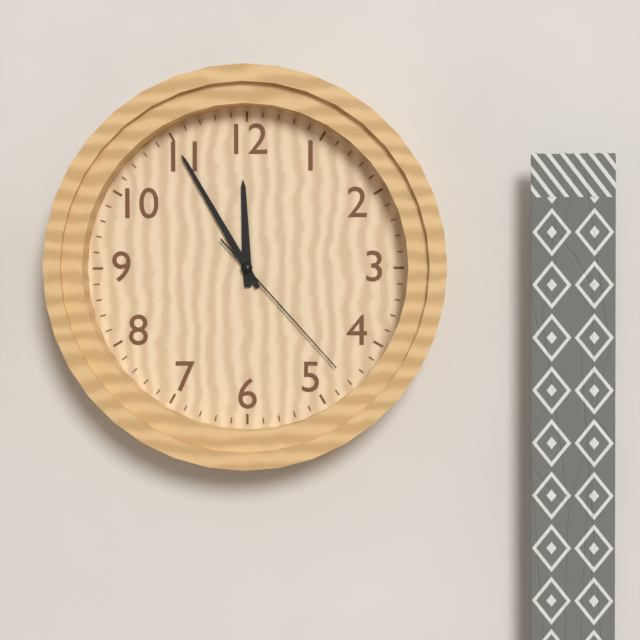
11,55,23
